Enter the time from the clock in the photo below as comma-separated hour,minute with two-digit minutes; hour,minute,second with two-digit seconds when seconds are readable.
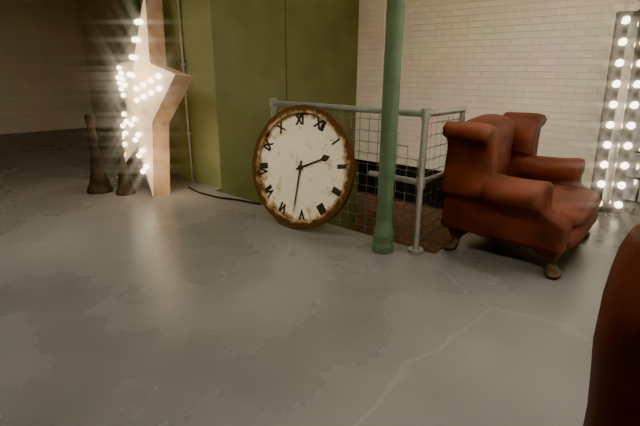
1,27
